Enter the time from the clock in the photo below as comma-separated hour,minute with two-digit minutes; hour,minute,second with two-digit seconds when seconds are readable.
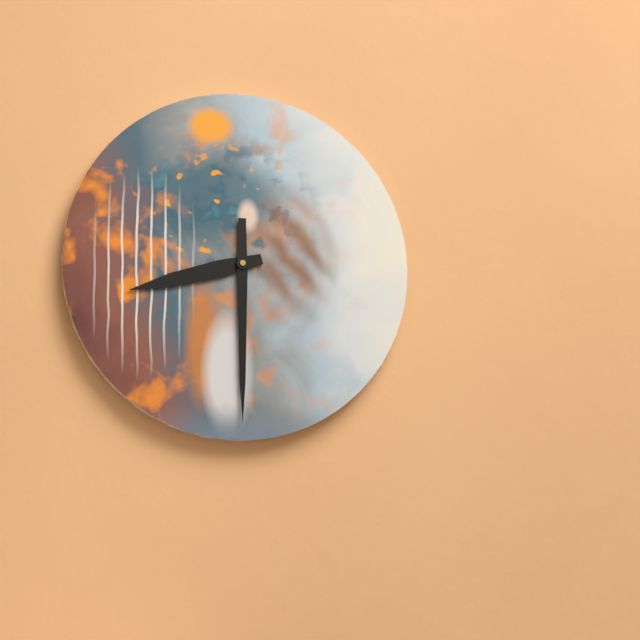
8,30
